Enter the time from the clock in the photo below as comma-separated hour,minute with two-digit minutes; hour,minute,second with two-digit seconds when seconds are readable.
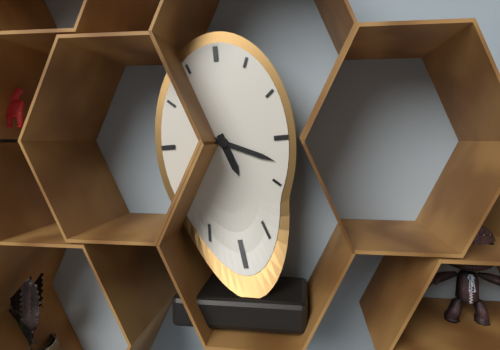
5,19
